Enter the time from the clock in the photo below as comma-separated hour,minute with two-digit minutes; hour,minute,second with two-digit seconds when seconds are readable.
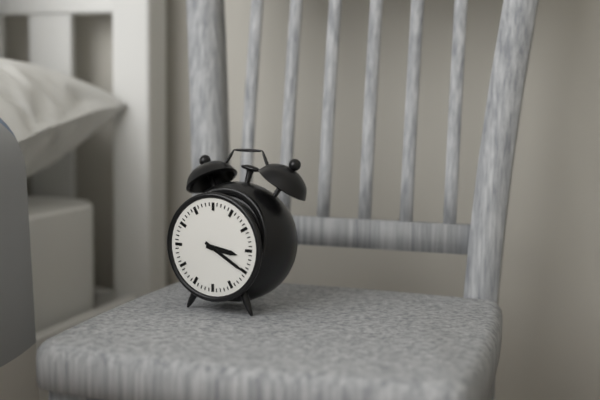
3,20
